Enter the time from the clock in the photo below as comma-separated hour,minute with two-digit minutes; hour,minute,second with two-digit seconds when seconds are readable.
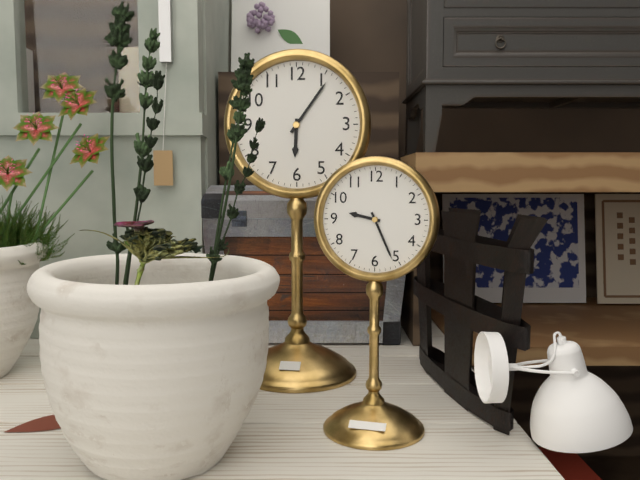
6,06
